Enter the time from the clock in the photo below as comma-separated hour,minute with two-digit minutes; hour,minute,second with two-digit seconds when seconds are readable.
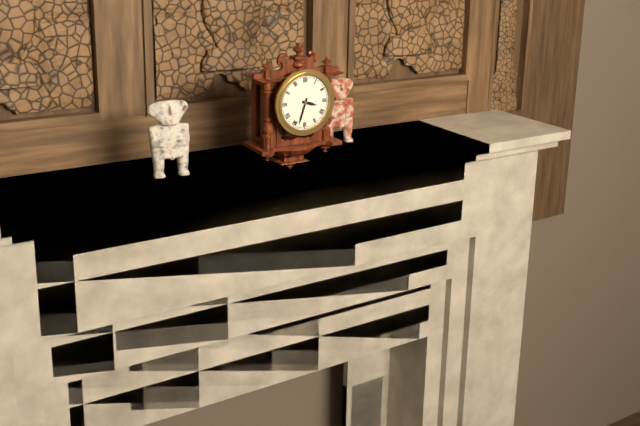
3,33
